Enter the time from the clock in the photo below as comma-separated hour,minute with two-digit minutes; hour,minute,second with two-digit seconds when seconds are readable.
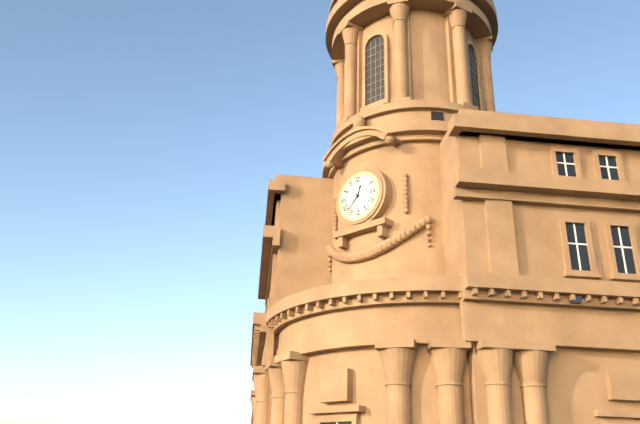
12,37
